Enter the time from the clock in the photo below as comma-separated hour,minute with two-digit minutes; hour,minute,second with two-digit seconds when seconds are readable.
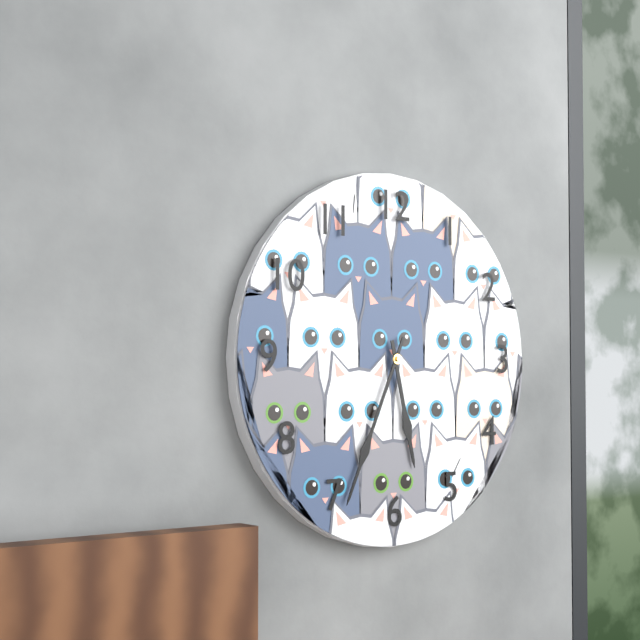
5,34
